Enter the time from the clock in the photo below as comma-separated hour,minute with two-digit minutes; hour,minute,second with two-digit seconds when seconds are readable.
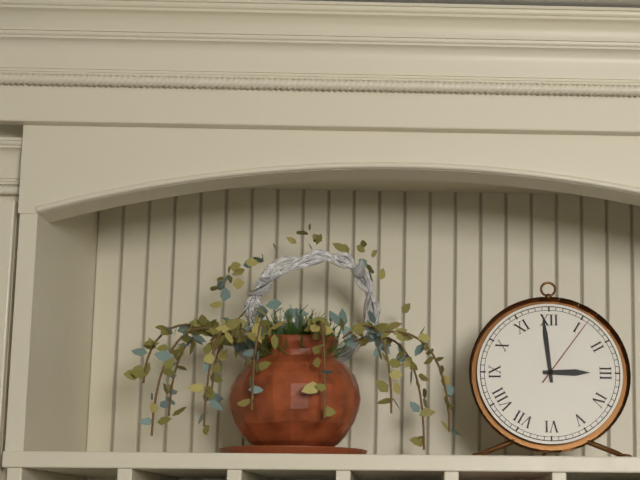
2,59,06
